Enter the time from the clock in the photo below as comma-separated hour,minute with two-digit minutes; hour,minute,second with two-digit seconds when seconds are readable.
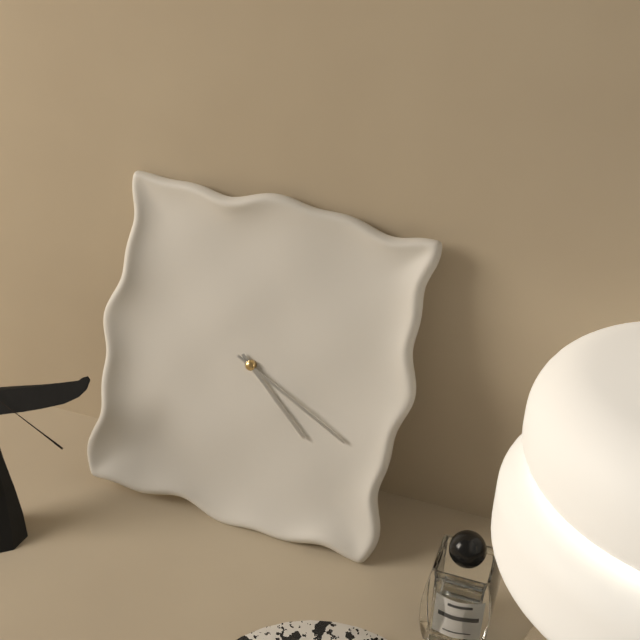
4,19
